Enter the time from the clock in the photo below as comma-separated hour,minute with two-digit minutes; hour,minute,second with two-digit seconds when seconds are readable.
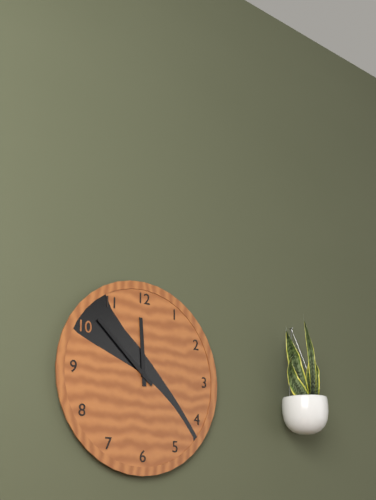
11,52
